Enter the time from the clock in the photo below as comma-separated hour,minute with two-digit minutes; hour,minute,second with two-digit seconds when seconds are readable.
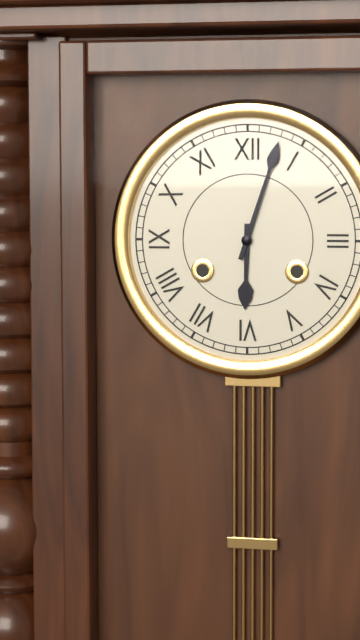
6,03
